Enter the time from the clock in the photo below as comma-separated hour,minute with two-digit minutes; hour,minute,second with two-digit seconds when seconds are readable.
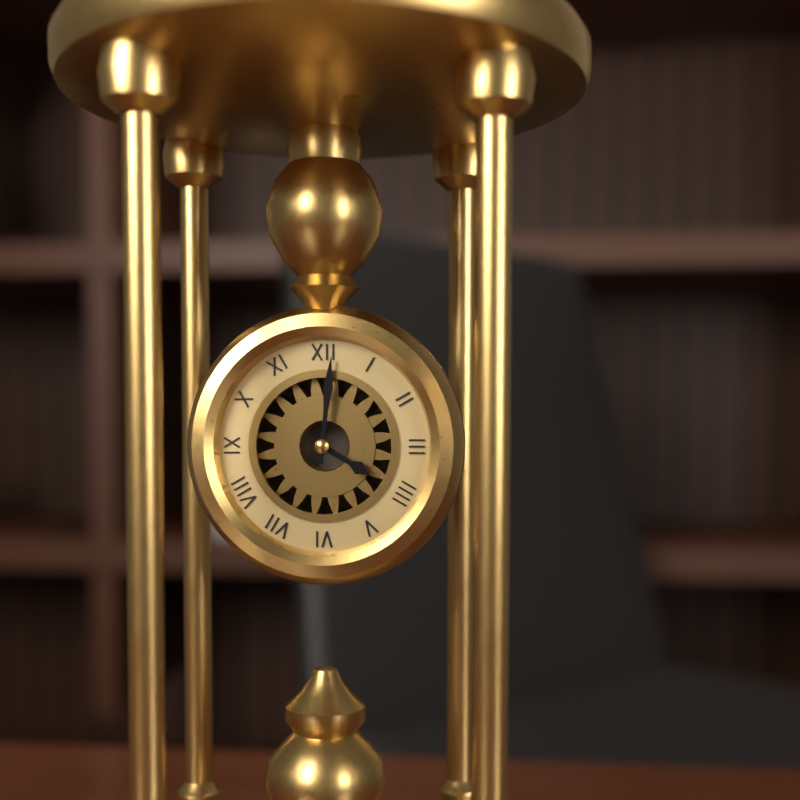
4,01
